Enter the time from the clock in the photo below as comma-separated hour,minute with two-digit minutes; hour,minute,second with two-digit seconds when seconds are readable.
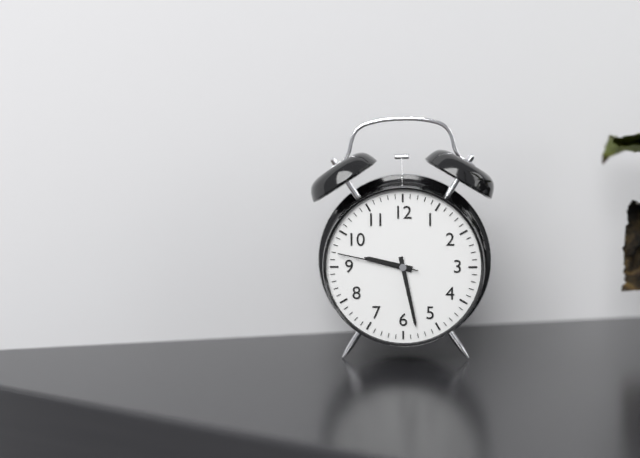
9,28,47
